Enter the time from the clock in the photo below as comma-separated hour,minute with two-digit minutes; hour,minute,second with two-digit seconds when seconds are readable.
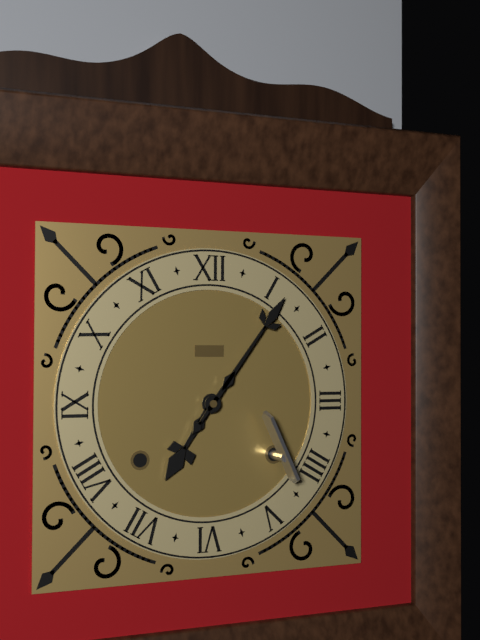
7,06
